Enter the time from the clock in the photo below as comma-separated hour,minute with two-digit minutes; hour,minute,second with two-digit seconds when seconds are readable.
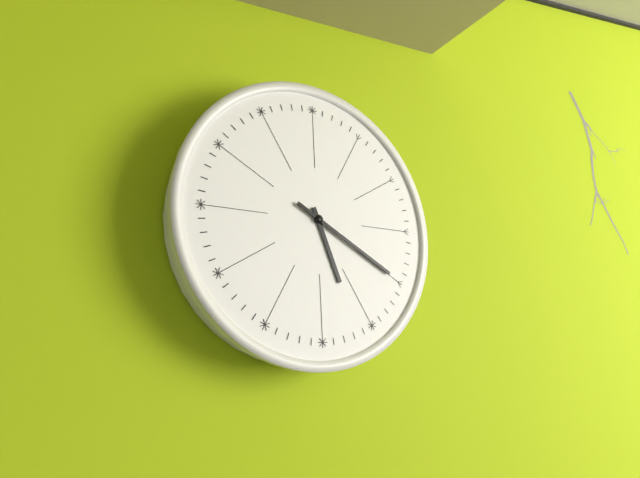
5,20
